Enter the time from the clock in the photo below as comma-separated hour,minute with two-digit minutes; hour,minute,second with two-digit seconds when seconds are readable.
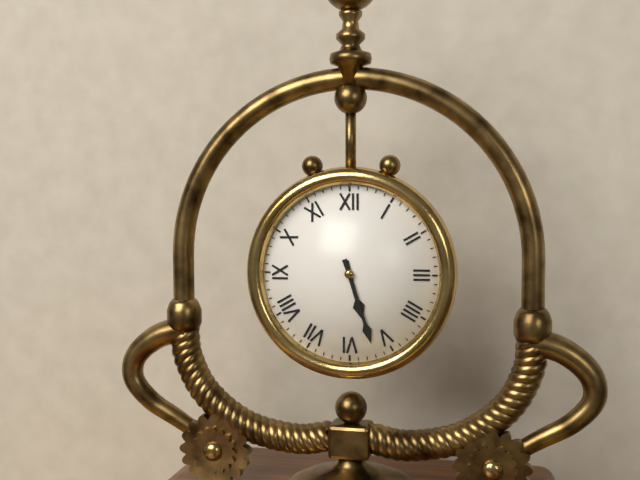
5,27
